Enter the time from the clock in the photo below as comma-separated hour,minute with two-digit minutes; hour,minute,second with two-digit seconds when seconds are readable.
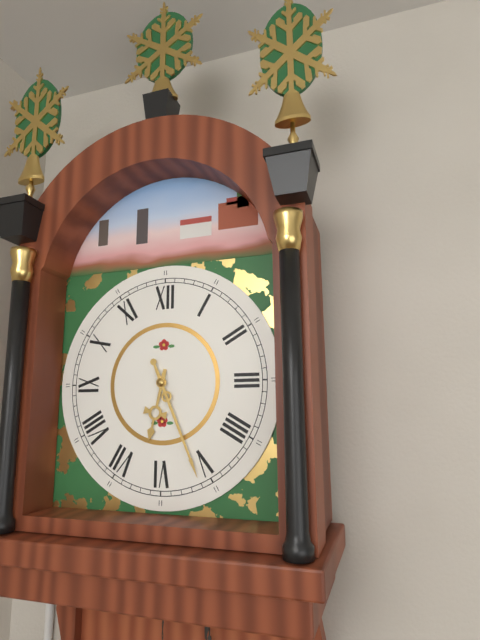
6,26
